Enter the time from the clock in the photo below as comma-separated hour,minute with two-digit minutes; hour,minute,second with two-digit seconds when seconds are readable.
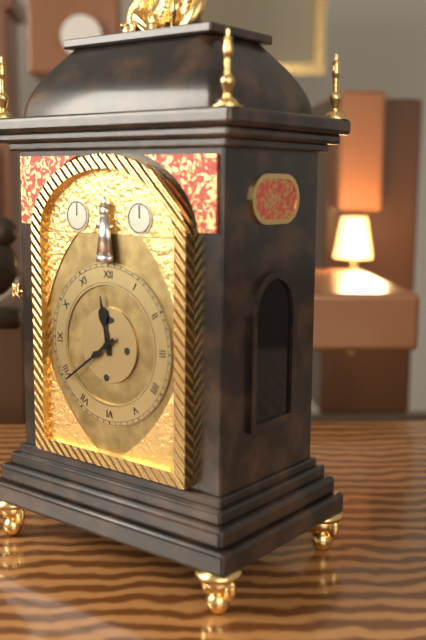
11,39
